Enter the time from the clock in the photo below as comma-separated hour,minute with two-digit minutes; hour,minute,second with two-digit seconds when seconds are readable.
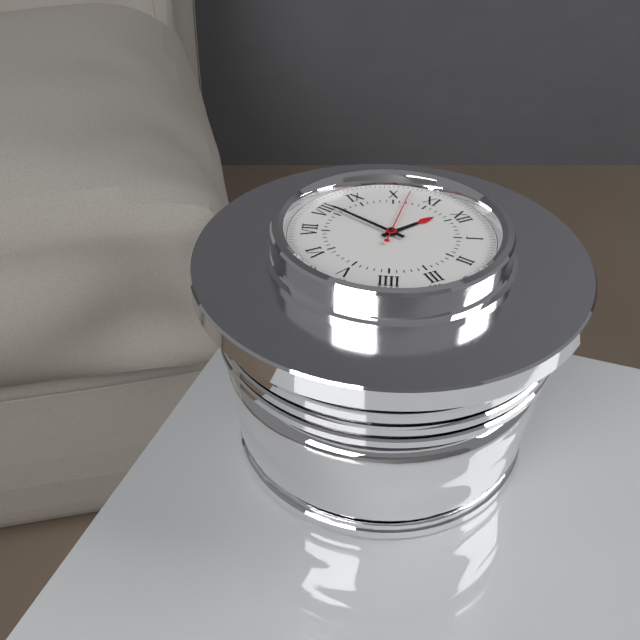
11,41,52
